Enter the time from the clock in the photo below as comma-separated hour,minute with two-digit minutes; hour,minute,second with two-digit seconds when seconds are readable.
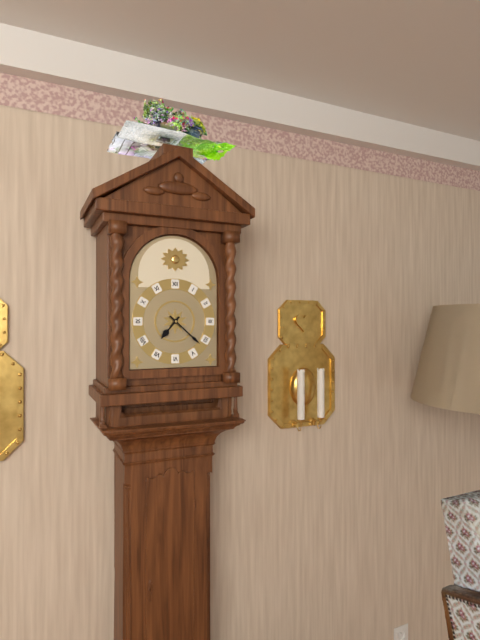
7,22
